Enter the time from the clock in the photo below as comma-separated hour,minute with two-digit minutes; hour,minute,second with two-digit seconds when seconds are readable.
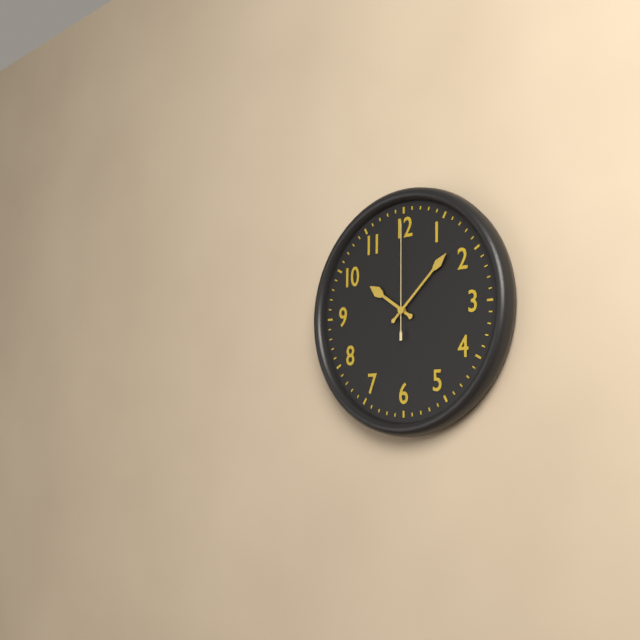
10,08,00
